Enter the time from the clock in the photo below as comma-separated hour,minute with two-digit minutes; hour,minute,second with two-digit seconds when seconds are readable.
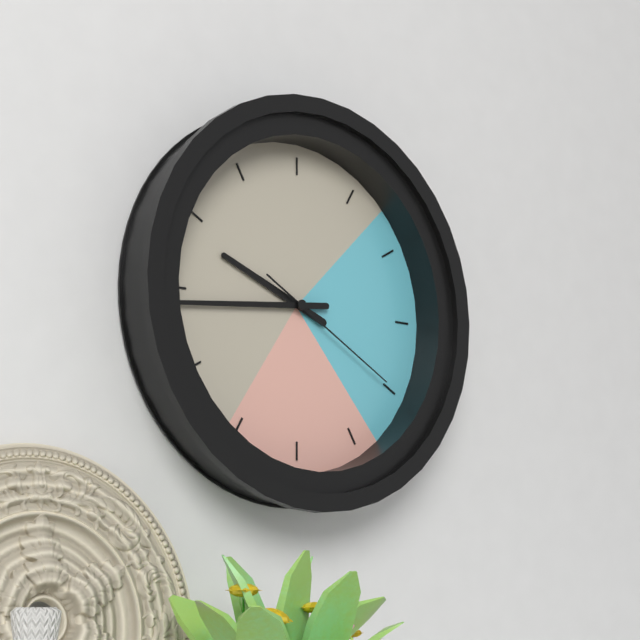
9,44,20
